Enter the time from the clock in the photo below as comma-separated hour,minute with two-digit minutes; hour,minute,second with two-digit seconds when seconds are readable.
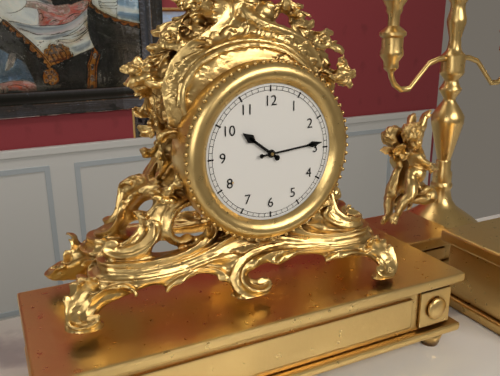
10,14
